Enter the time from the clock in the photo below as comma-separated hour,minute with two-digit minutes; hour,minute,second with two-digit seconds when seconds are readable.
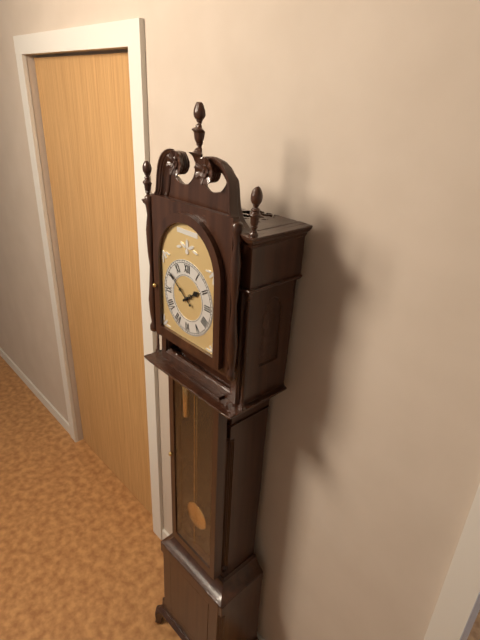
1,51
